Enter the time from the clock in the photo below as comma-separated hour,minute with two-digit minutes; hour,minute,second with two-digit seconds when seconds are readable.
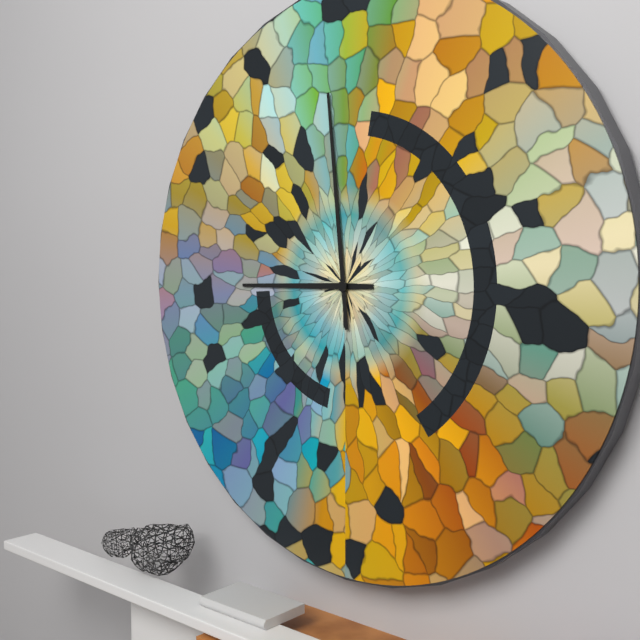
8,59
